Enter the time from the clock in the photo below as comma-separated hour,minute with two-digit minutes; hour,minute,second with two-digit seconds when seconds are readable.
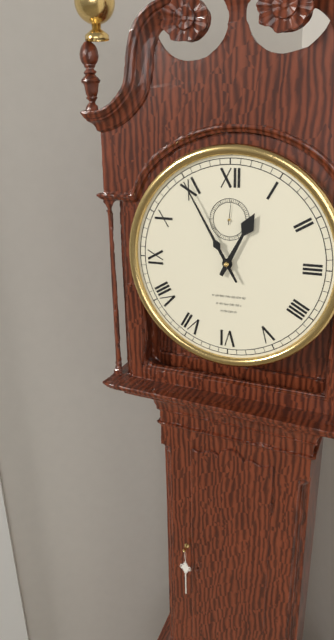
12,55
